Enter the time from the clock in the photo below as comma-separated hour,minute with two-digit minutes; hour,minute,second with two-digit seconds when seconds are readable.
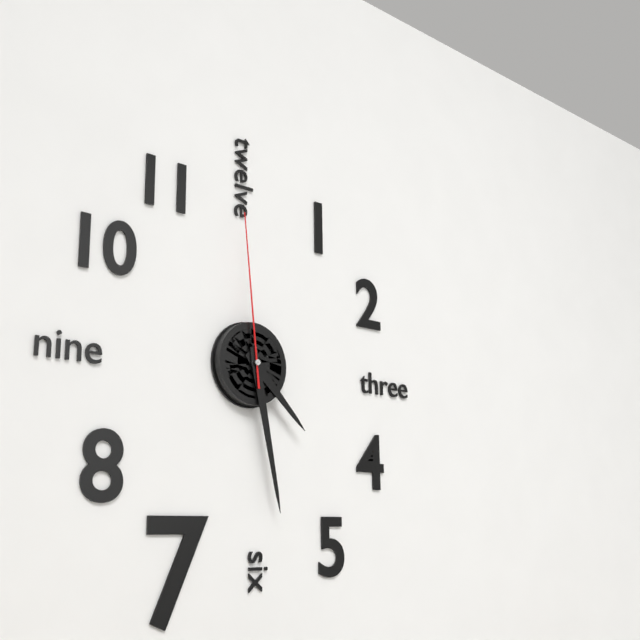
4,28,59
